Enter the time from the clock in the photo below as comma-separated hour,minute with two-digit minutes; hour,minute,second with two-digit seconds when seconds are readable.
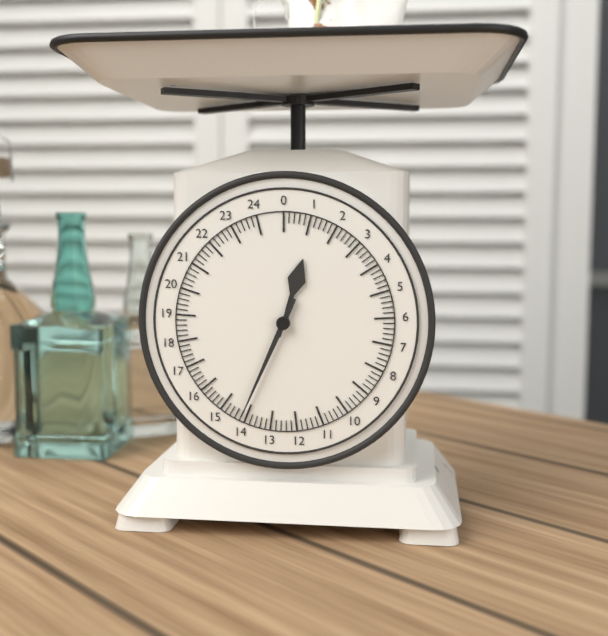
12,34
